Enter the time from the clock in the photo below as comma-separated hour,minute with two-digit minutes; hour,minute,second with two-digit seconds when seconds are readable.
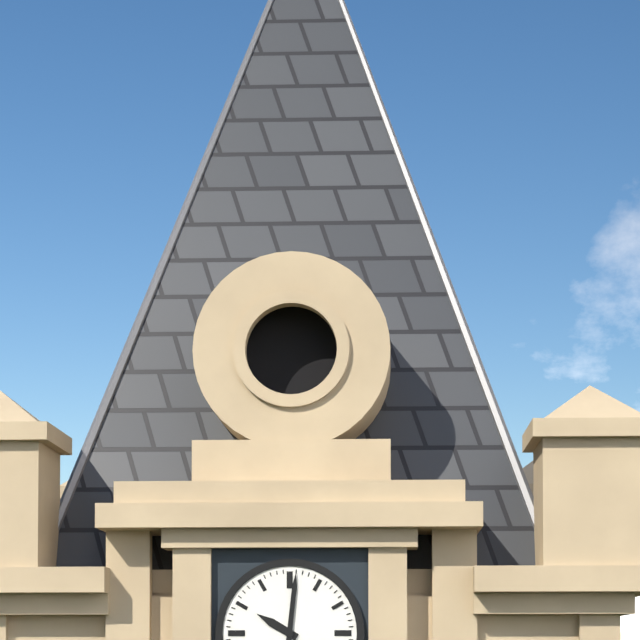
10,01
